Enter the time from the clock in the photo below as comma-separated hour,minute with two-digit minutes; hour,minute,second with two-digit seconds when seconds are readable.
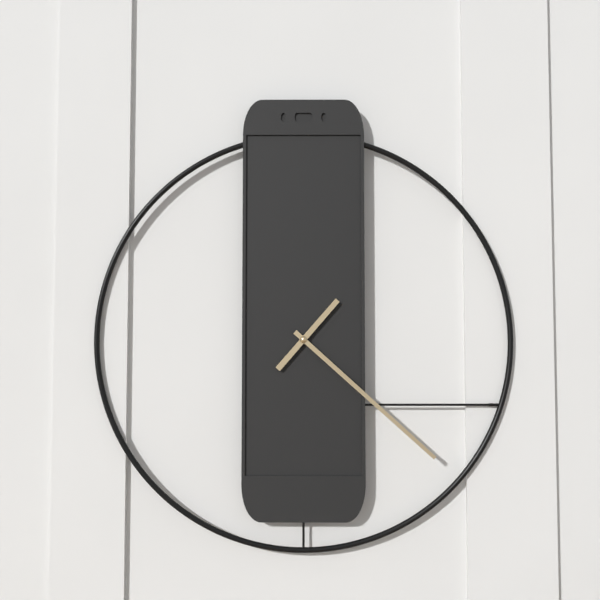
1,22
